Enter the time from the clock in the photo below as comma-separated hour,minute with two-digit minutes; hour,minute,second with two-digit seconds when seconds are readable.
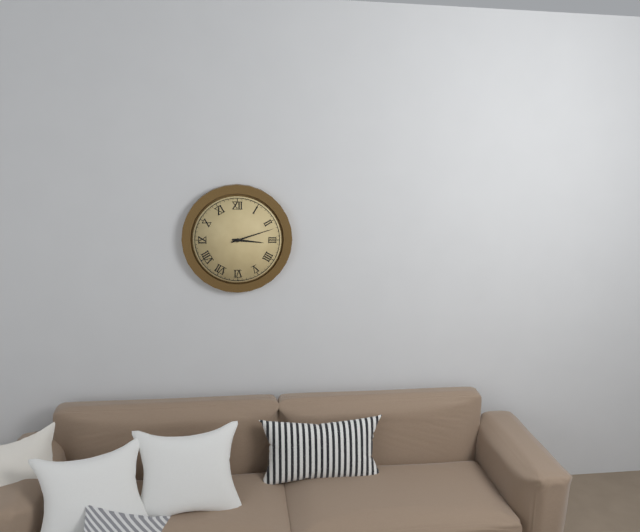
3,12
